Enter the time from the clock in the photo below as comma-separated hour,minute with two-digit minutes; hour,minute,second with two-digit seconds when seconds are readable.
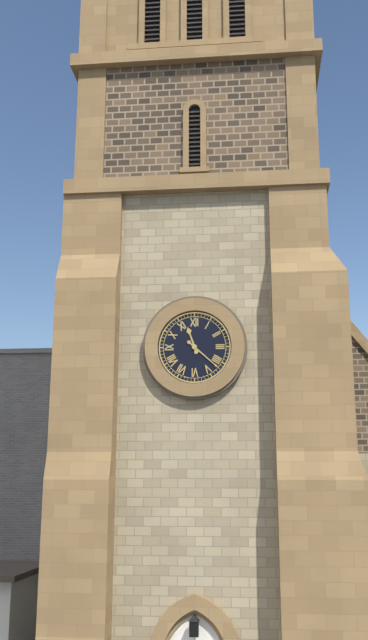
11,22
